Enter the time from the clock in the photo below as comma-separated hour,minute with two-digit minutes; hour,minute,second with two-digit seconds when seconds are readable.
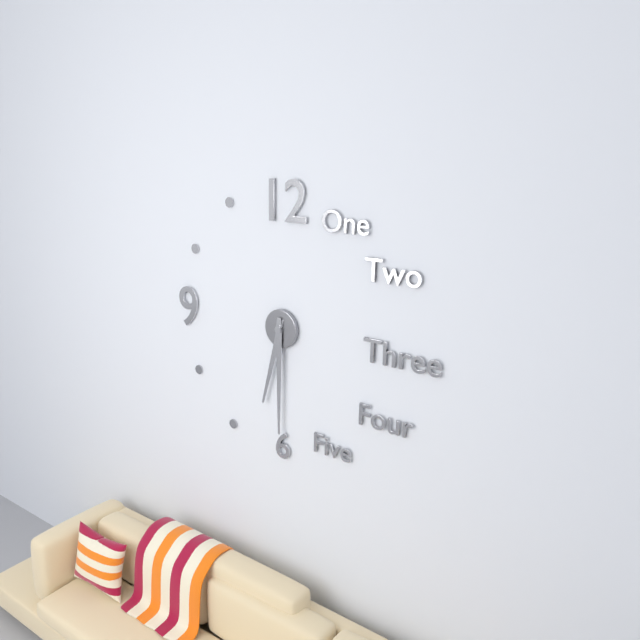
6,30
